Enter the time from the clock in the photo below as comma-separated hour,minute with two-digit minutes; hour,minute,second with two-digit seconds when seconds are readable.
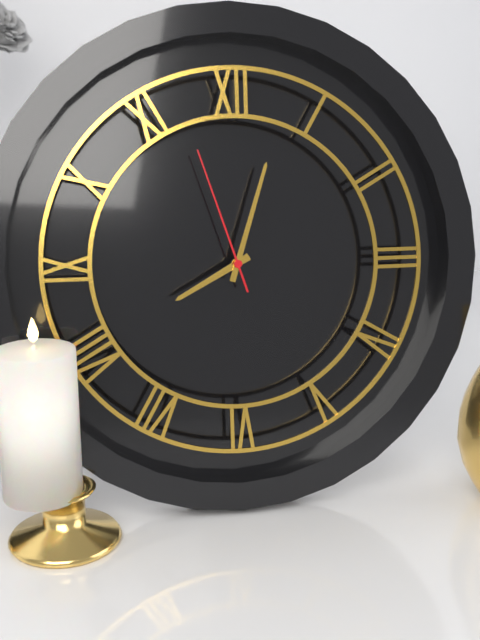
8,03,57
